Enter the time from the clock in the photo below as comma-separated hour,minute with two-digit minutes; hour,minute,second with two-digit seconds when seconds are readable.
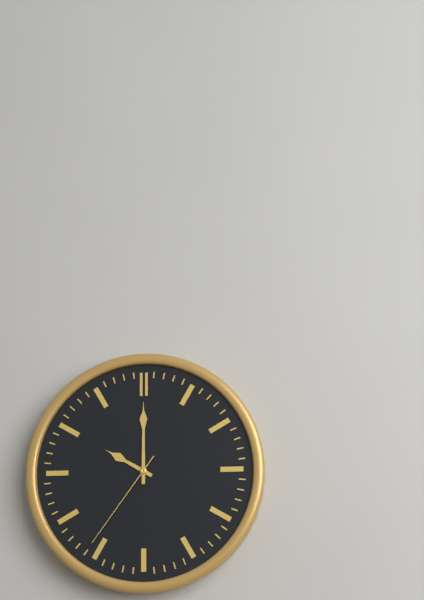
10,00,36
